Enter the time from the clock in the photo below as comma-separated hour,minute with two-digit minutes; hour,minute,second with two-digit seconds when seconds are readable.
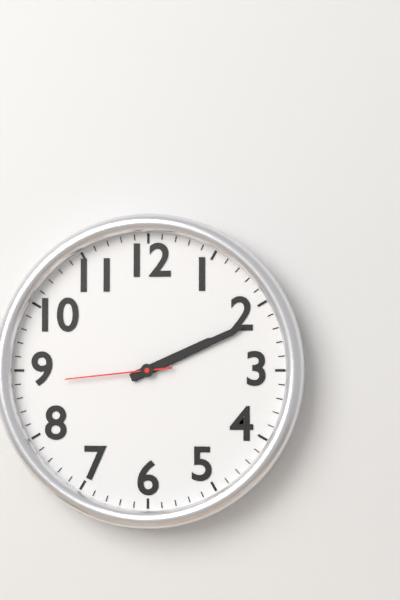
2,11,44
